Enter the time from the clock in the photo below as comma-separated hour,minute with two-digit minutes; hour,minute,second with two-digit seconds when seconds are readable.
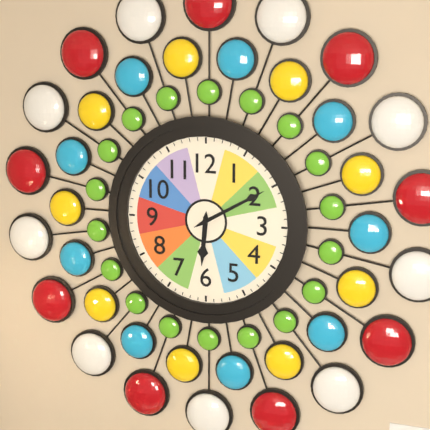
6,10
